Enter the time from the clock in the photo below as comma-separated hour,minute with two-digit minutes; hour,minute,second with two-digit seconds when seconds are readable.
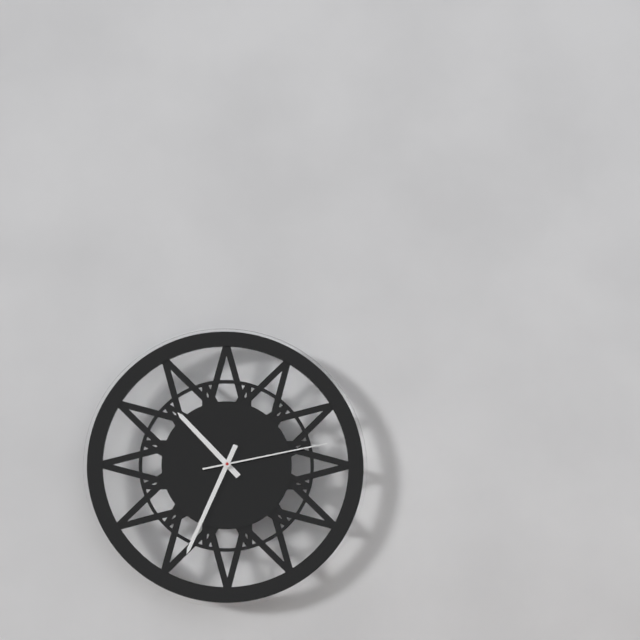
10,34,13
